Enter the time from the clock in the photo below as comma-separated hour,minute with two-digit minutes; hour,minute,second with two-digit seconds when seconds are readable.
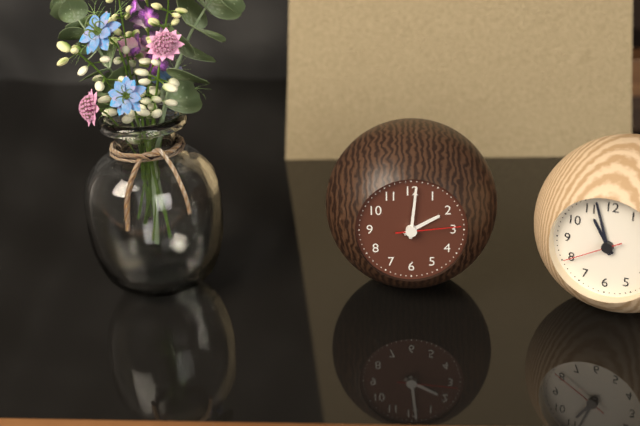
2,01,14
